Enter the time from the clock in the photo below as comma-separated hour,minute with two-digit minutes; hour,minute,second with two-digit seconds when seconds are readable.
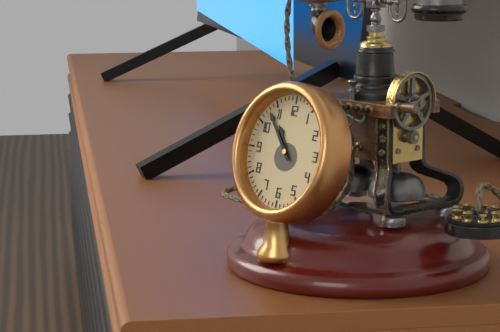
10,53
